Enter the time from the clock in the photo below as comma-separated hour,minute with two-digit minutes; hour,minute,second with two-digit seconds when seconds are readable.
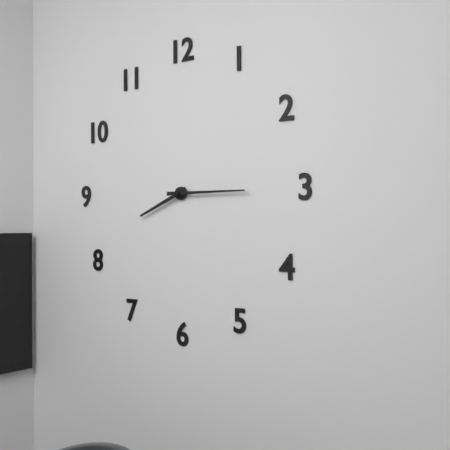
8,15
